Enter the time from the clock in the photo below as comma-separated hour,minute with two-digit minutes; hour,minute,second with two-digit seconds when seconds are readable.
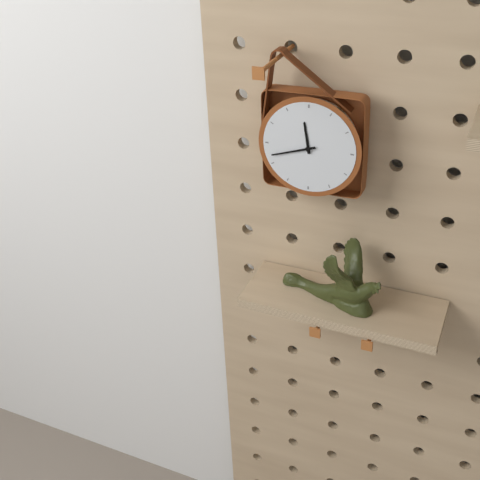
11,42
